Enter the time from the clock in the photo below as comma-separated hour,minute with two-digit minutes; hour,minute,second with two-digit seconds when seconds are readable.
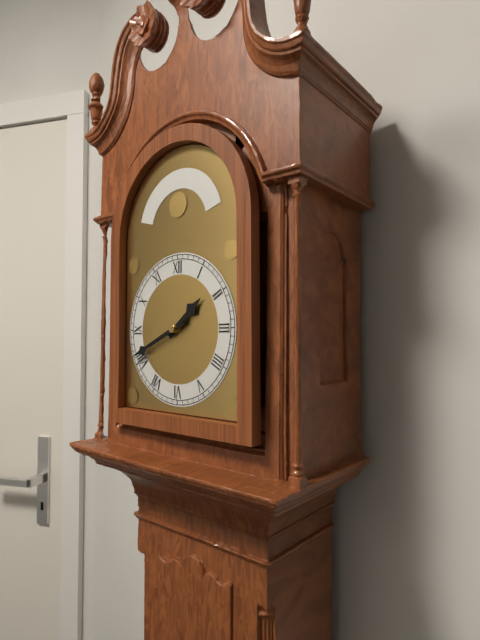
1,41
